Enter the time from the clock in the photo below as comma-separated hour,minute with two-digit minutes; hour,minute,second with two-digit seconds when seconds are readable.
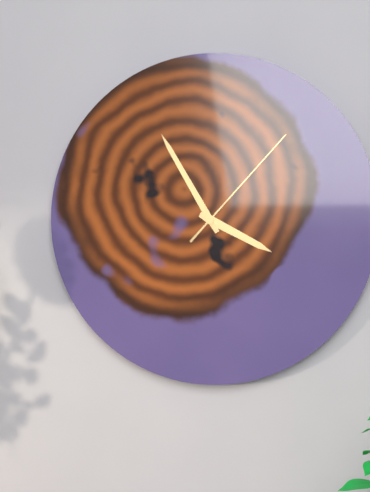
3,55,07
